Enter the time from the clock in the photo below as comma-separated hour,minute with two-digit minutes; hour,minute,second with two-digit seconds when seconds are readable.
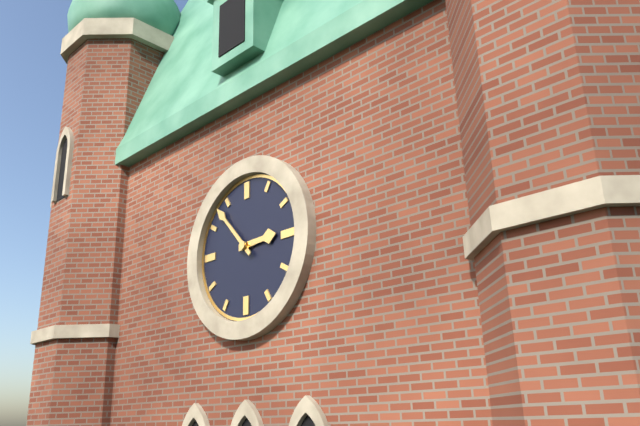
2,53
